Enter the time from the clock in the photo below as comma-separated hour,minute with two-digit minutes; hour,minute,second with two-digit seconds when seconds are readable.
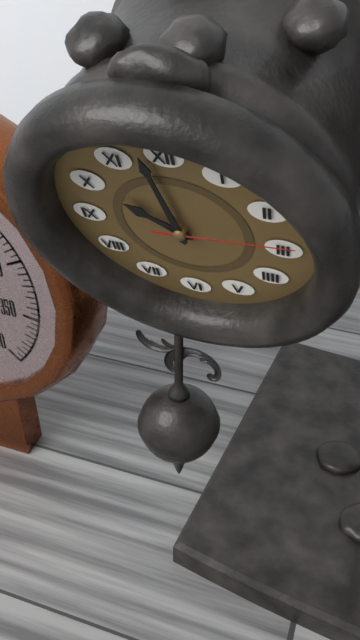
9,58,14
